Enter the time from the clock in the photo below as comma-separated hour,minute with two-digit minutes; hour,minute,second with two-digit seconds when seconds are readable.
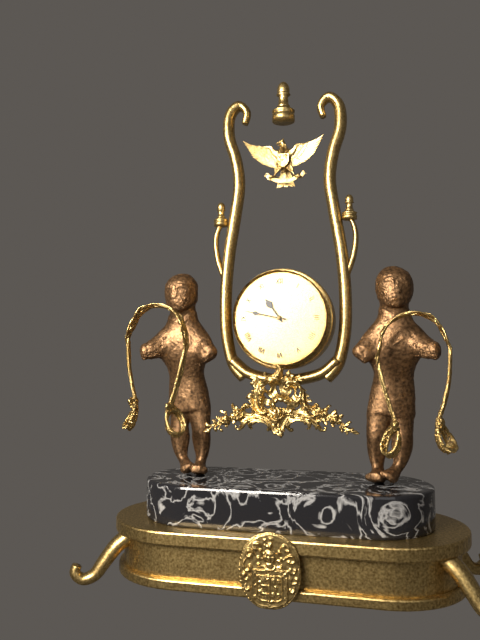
10,47
